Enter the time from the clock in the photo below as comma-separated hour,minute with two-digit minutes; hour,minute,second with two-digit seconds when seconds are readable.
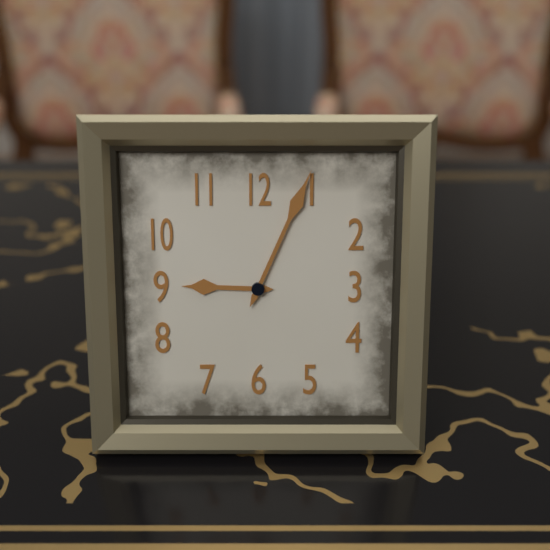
9,04
